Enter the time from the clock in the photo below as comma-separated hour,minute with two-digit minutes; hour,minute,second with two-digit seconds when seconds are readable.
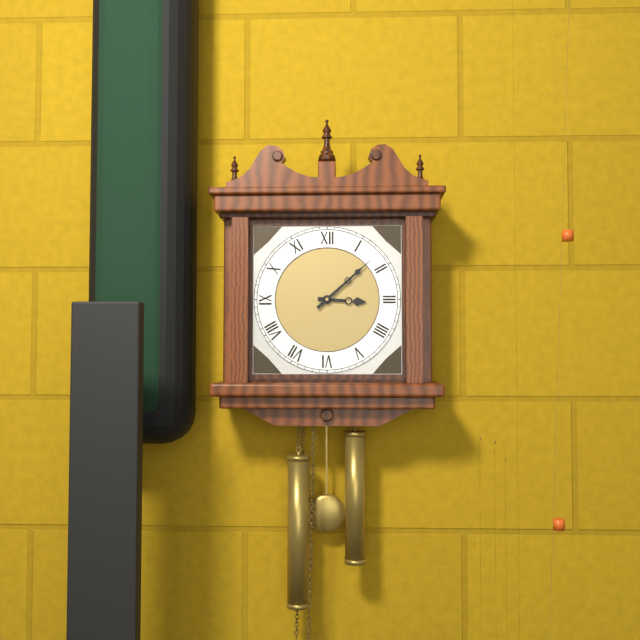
3,08
